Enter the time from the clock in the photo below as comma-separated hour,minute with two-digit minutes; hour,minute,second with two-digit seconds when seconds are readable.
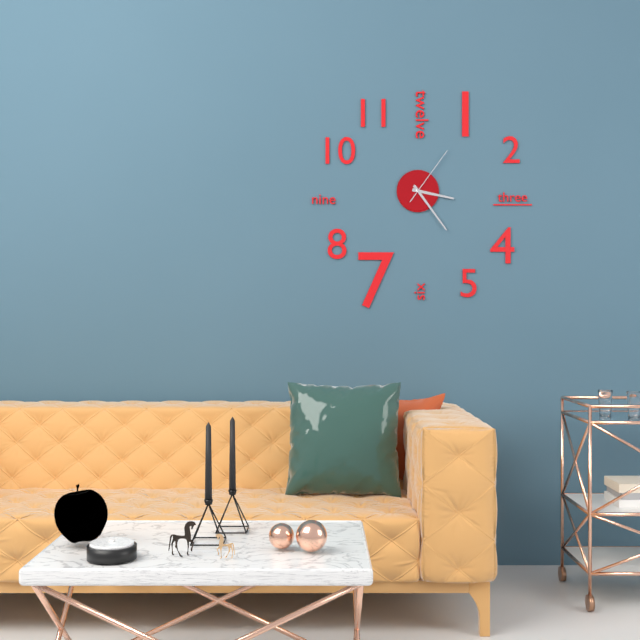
3,24,06
